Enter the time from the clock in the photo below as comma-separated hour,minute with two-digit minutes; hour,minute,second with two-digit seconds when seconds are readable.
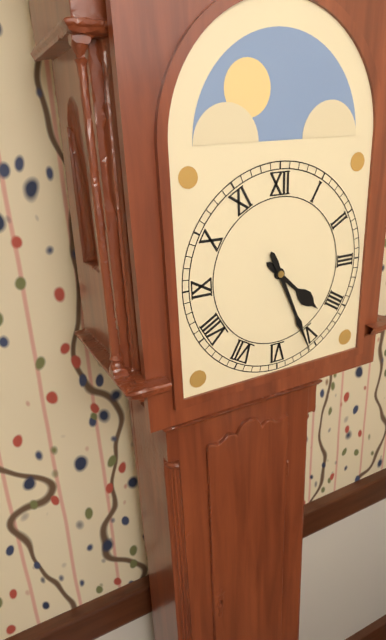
4,26
